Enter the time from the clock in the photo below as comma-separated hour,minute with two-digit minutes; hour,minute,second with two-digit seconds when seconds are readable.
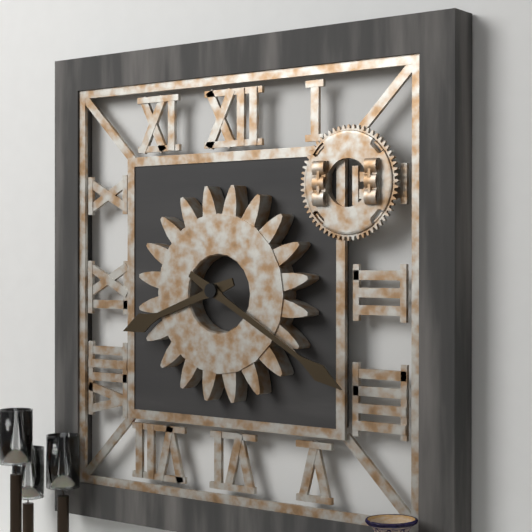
8,20
